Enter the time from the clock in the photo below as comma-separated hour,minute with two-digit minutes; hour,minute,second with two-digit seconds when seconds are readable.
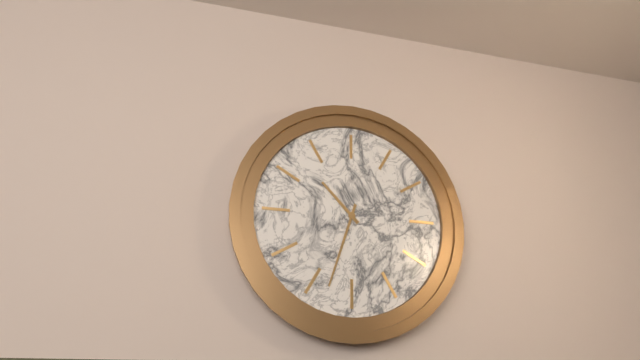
10,33
